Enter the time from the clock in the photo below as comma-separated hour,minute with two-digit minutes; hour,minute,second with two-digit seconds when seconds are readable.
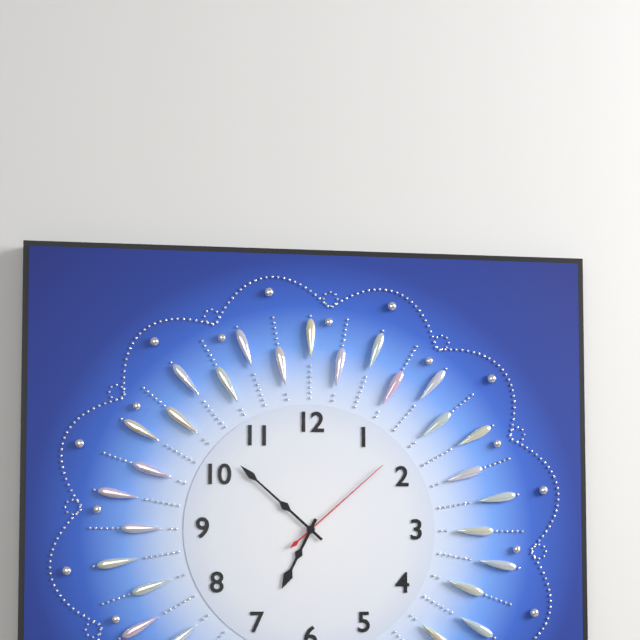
6,52,08
